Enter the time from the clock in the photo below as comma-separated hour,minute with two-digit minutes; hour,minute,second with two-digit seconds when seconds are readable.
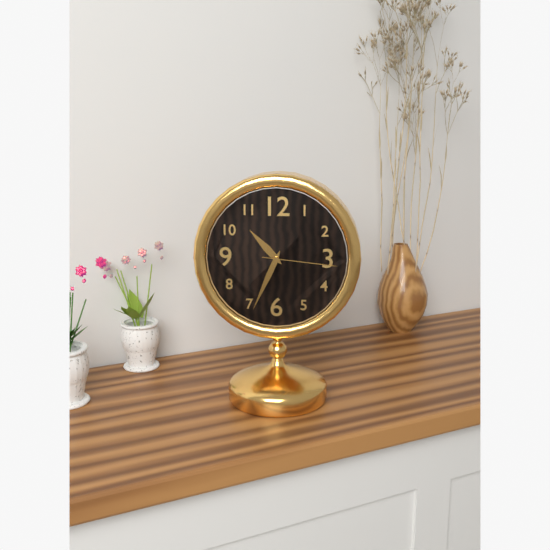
10,34,16
